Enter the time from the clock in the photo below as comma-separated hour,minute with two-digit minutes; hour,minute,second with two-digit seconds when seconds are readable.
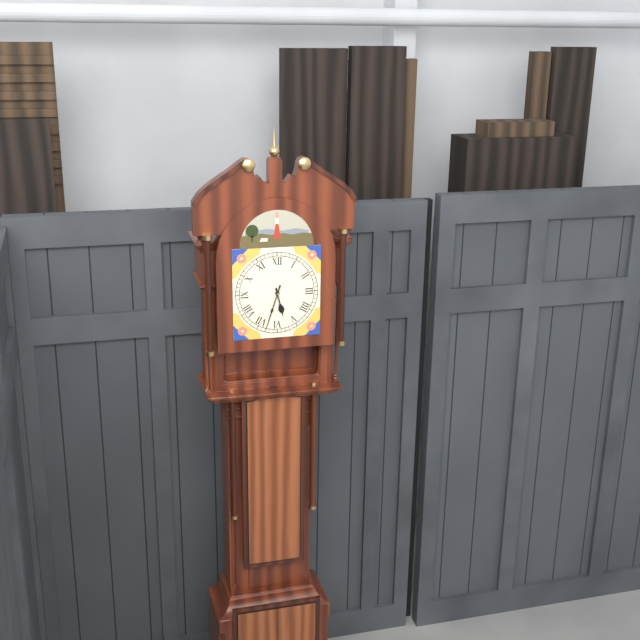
5,33
